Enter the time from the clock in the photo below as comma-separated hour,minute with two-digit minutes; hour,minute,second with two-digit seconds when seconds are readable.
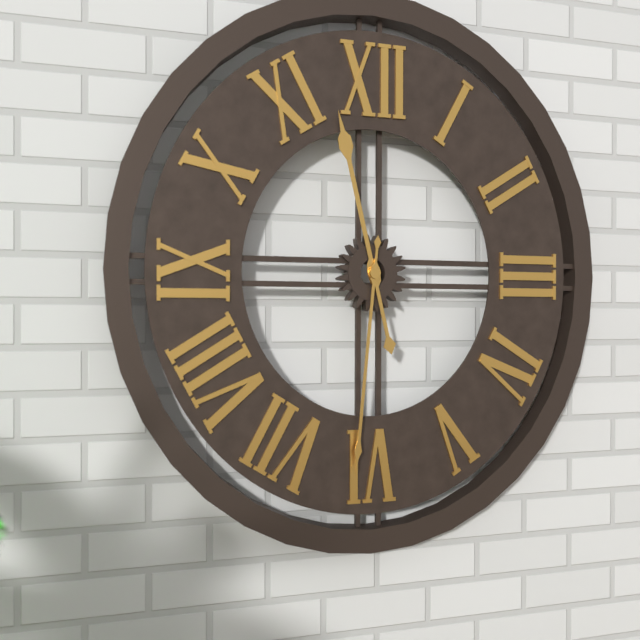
11,31
